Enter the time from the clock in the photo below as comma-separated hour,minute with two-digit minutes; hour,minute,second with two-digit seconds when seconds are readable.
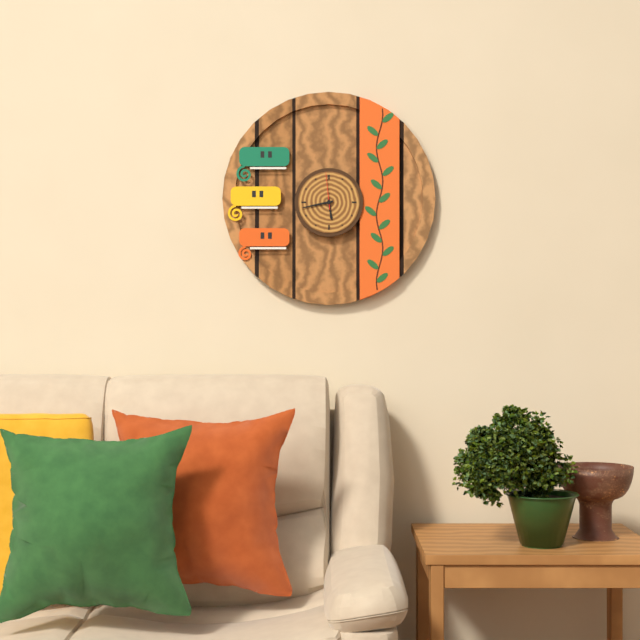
5,43
